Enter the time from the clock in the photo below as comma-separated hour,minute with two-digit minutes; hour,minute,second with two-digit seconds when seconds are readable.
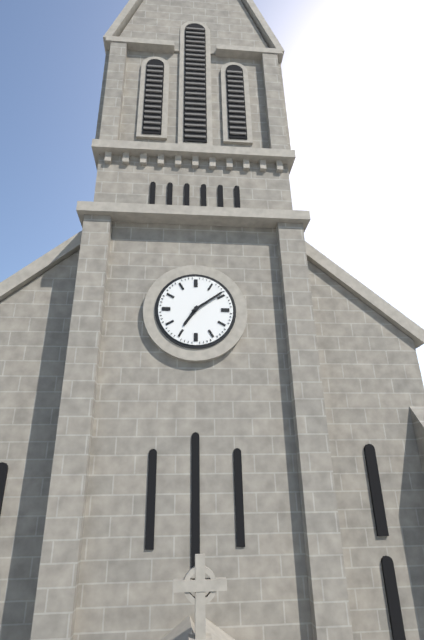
7,09
